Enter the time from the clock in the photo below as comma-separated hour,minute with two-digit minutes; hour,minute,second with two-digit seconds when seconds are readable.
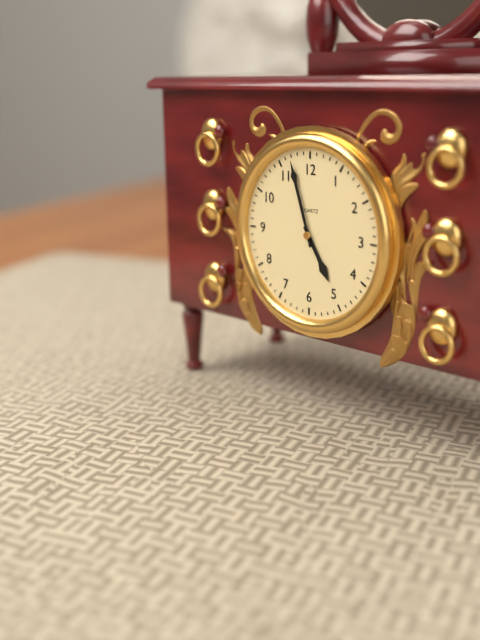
4,57
